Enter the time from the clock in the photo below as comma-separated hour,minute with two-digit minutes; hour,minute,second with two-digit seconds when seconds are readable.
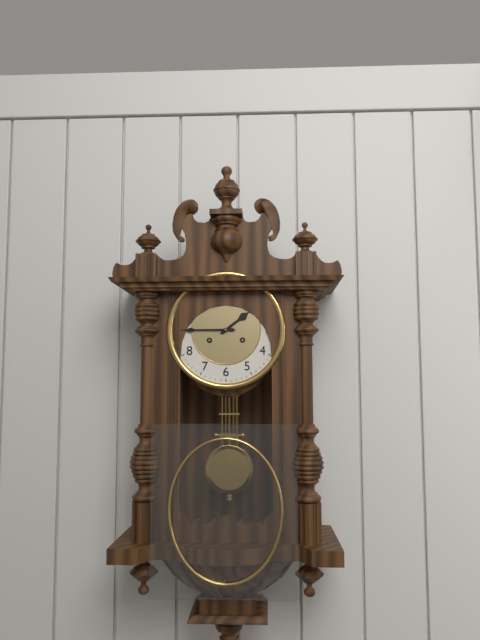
1,45
